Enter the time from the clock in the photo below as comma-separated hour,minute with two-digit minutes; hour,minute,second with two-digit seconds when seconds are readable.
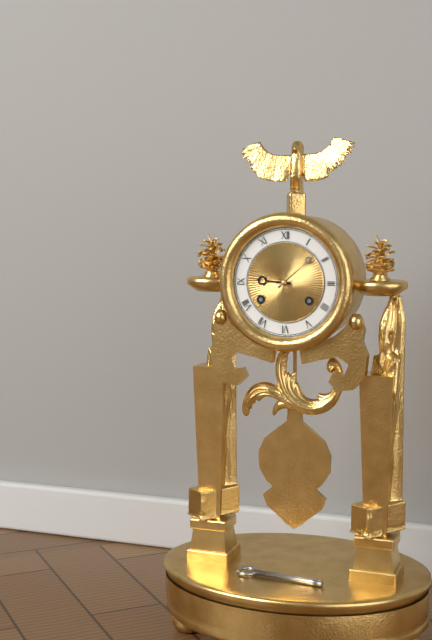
9,08
